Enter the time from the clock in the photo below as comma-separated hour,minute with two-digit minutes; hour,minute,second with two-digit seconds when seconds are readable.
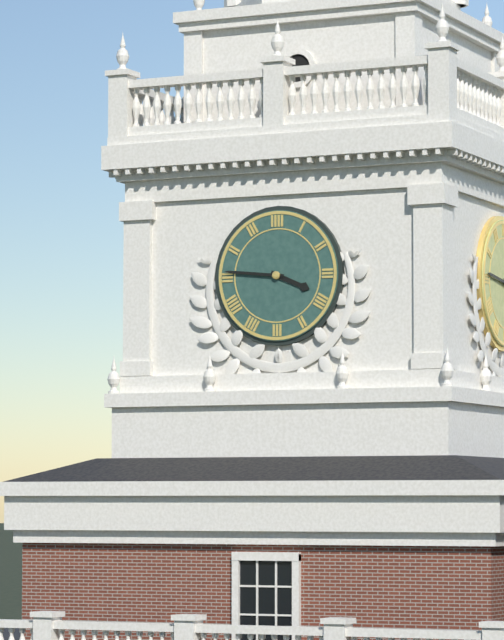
3,46
